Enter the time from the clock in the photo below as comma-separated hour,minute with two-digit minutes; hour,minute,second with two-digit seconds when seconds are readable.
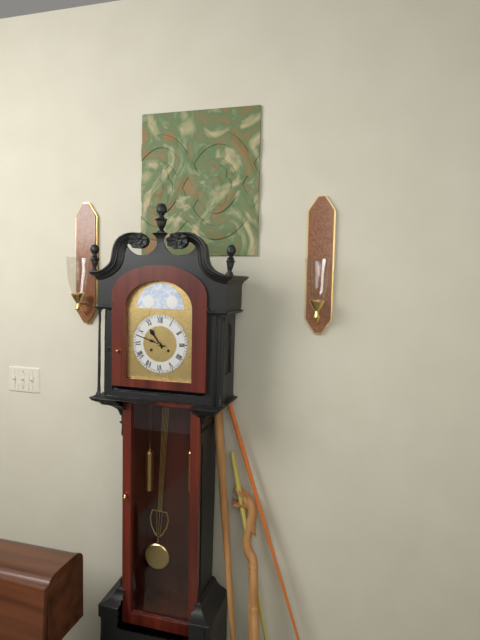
10,48
